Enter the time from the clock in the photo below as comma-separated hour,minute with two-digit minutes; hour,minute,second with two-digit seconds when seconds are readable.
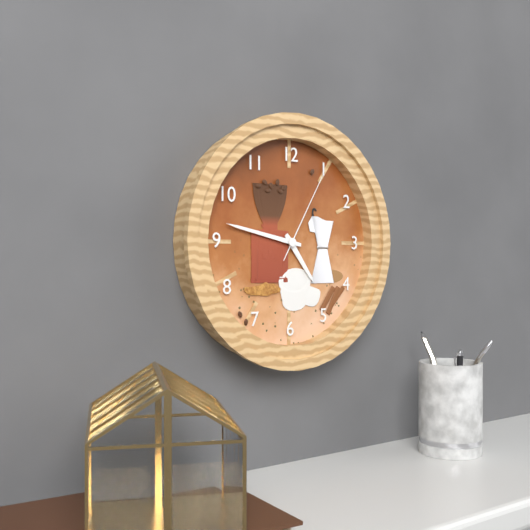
4,47,05
